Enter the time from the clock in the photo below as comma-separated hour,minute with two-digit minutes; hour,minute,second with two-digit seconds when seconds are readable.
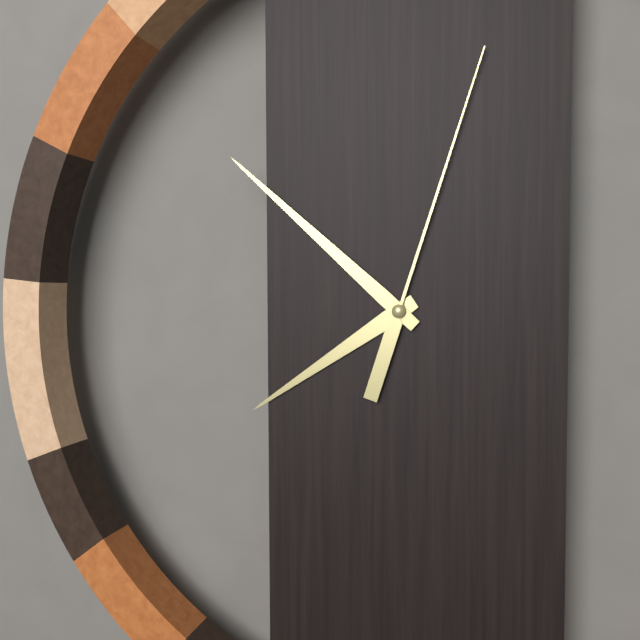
7,52,03
